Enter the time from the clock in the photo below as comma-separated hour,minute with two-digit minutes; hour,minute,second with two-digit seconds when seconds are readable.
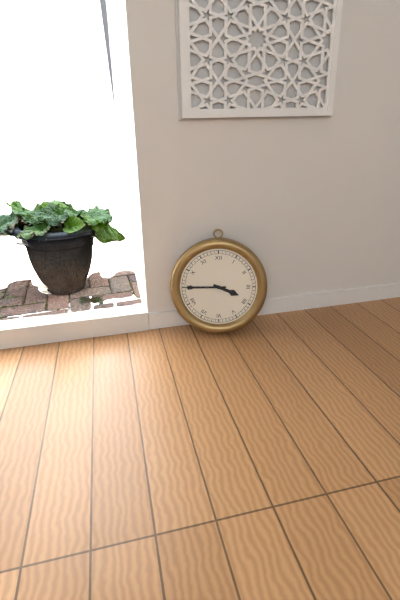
3,45
